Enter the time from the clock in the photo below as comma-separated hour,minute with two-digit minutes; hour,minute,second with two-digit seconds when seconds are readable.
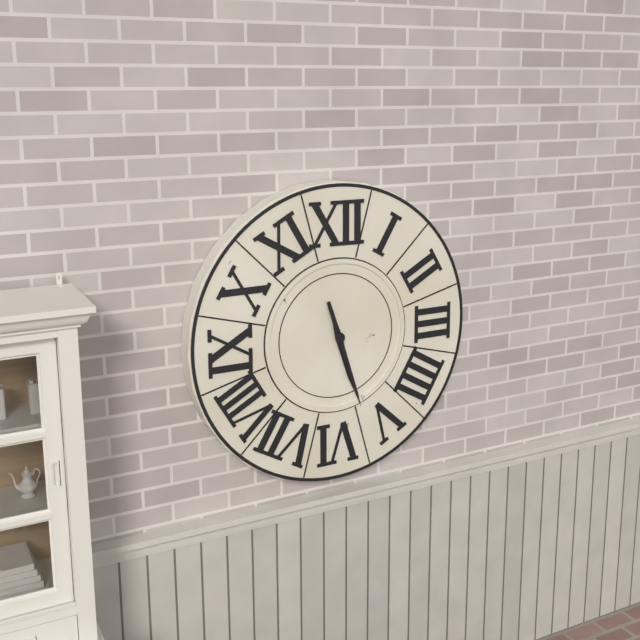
5,27
